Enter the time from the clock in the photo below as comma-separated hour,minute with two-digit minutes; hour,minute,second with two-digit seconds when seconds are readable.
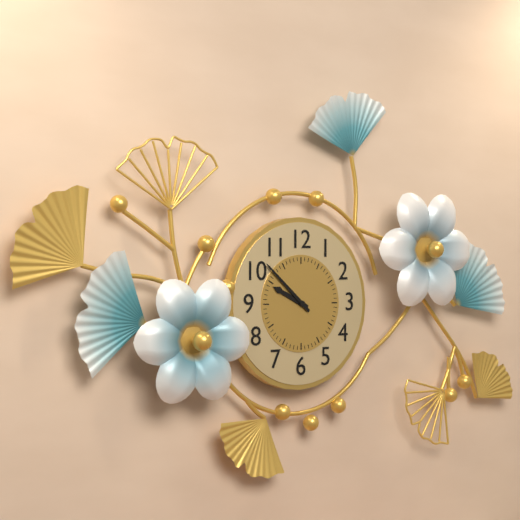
9,52
